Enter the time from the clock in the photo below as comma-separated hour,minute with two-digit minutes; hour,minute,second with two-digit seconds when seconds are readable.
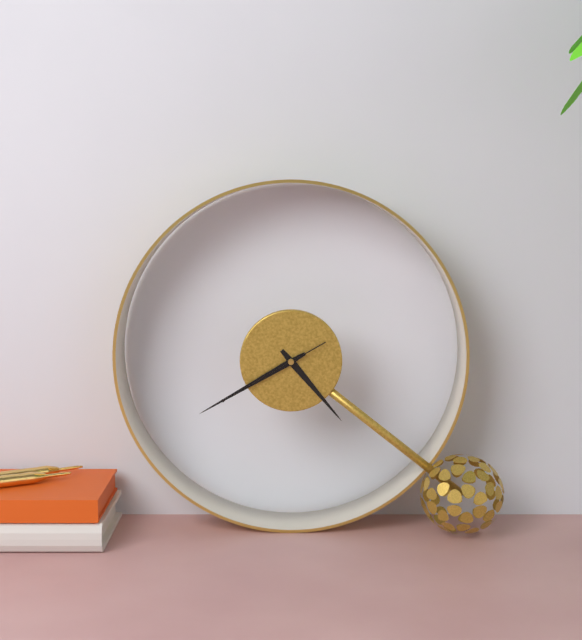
4,40,40
